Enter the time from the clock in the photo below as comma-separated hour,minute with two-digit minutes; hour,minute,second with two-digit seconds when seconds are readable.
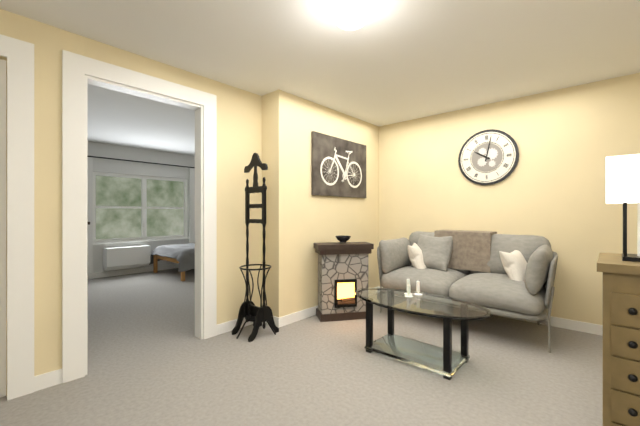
10,02
